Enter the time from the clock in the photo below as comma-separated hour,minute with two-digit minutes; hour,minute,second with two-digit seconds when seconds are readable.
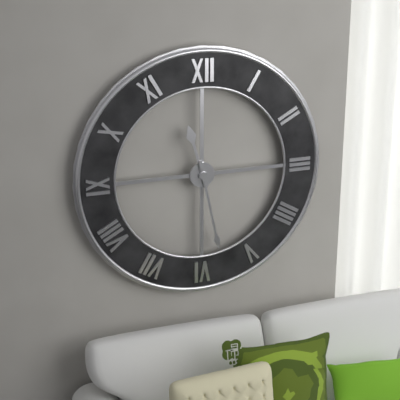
11,28
